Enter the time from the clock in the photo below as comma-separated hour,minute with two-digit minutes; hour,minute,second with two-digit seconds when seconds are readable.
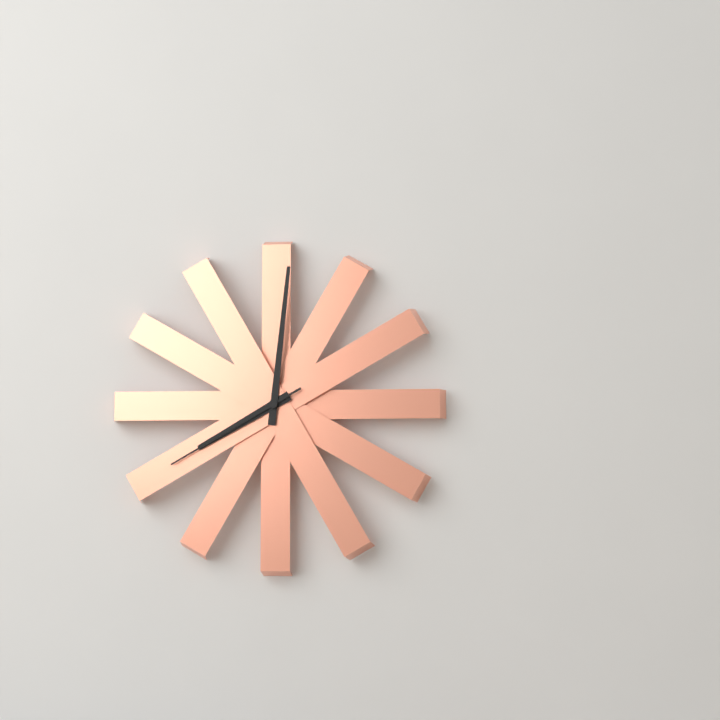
8,01,40
